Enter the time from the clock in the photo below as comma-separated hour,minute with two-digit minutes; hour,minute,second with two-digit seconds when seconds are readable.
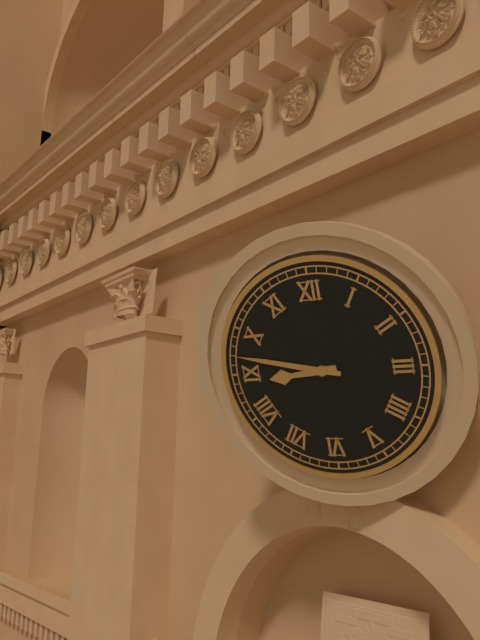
8,47
